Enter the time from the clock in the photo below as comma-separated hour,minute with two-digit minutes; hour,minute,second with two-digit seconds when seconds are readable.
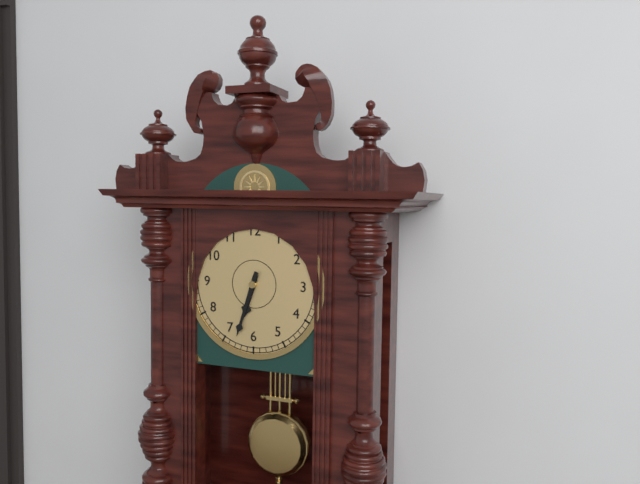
6,33
